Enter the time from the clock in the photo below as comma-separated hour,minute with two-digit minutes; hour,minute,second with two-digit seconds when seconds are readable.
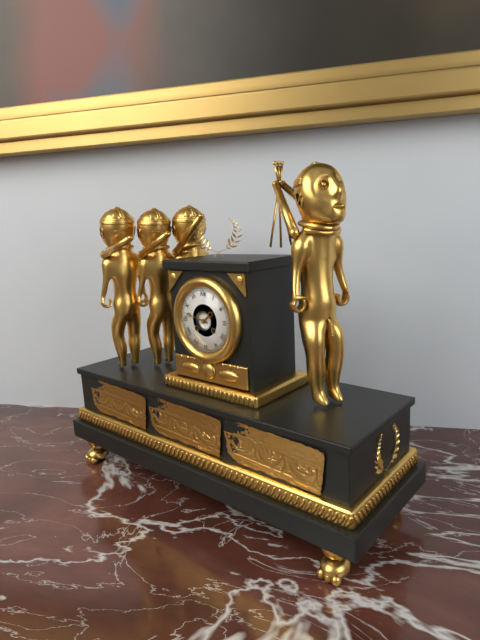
1,47
